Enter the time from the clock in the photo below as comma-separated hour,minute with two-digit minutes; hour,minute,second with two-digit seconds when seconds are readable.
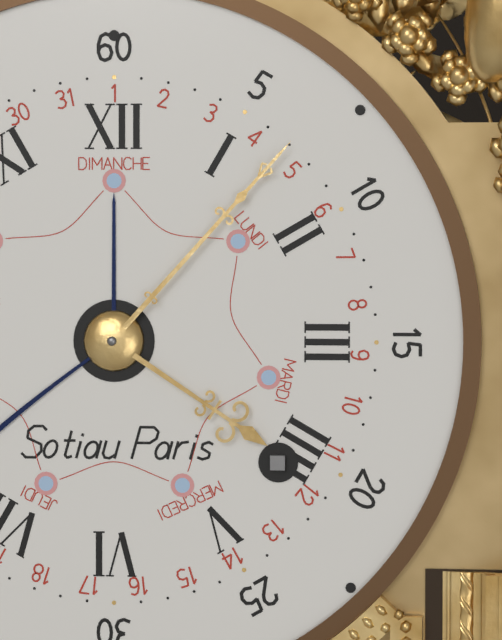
4,07
